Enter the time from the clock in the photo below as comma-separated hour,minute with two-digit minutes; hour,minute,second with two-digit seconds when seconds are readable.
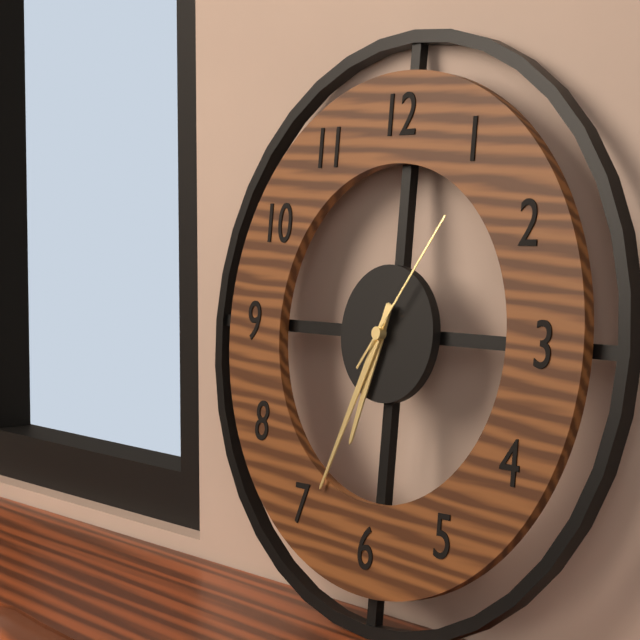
6,34,06
